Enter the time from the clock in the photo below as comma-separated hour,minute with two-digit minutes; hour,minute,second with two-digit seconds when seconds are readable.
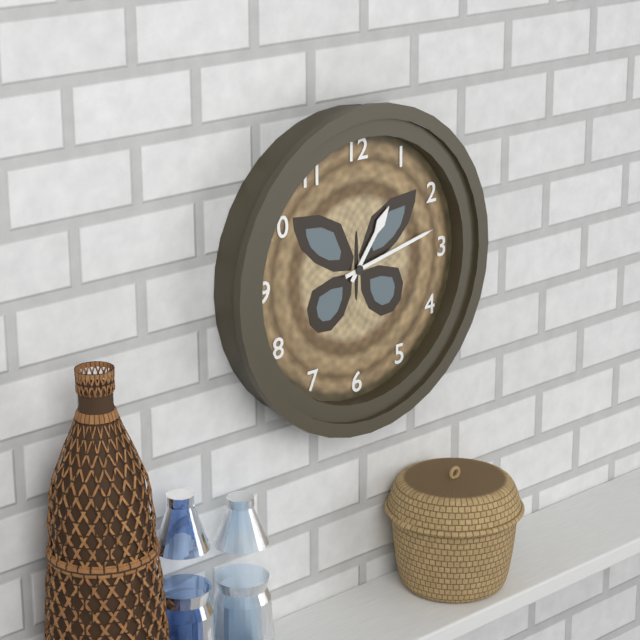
1,13
